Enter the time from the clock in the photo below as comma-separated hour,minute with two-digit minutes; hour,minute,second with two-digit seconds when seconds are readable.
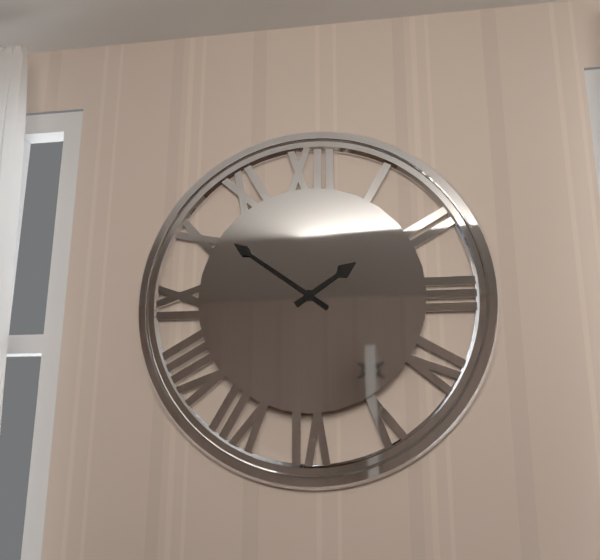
1,51
